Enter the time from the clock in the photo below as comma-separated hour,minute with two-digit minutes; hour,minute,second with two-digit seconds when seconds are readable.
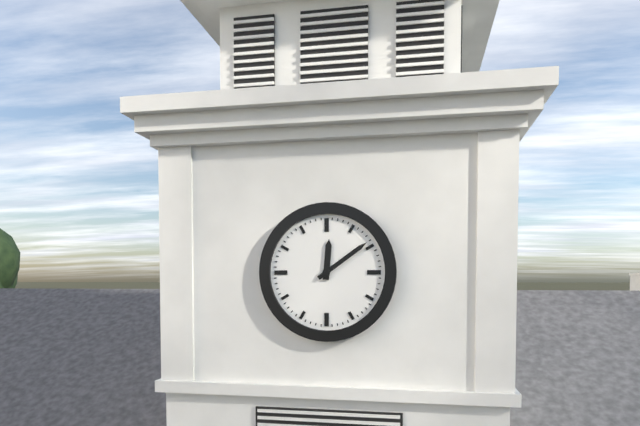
12,09
